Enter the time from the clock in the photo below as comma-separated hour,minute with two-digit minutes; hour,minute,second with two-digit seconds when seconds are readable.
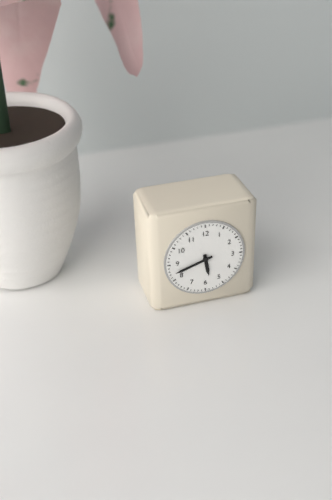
5,42
